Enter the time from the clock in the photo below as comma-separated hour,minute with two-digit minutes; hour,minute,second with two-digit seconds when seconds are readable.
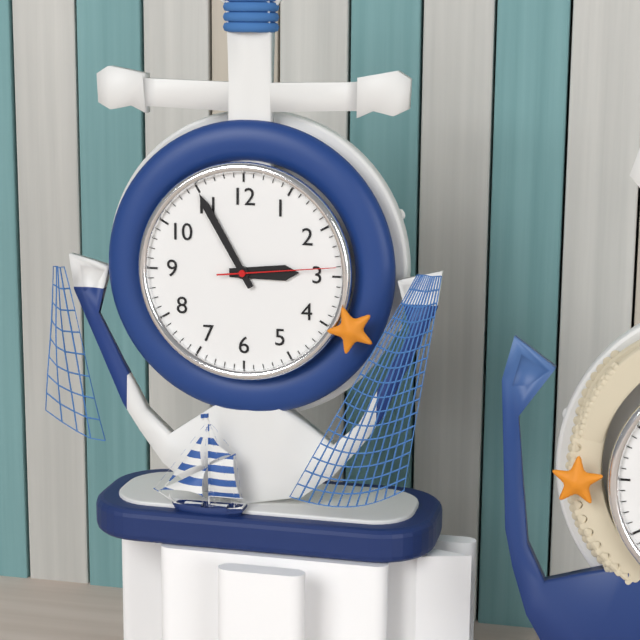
2,55,14
